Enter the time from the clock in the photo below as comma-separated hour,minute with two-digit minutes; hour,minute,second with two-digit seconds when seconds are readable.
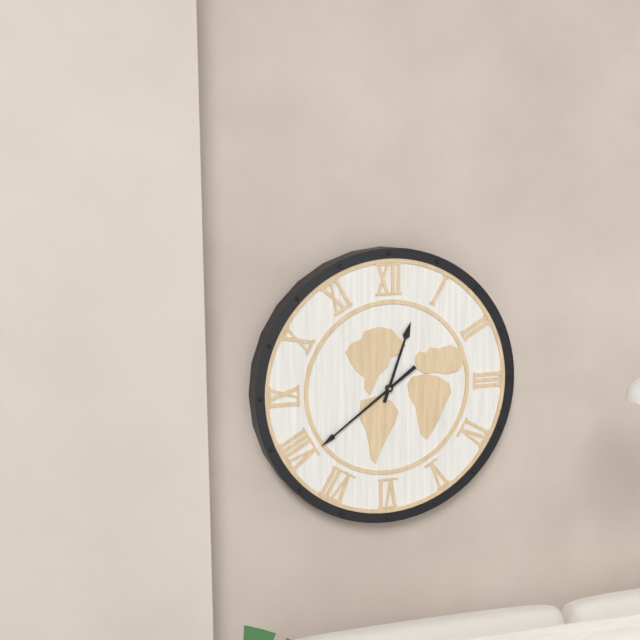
12,39
